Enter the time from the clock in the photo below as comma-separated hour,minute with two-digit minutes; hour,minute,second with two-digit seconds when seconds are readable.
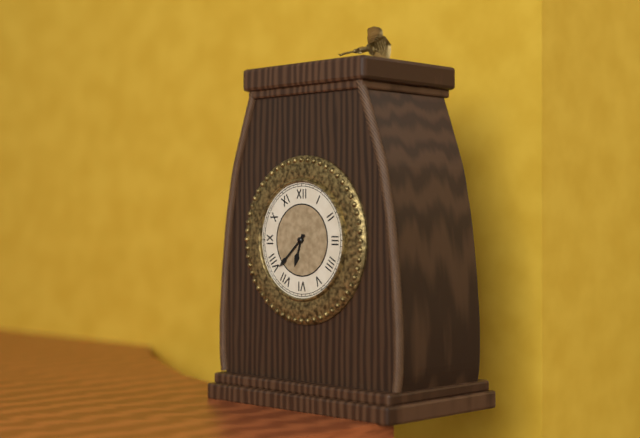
6,38
